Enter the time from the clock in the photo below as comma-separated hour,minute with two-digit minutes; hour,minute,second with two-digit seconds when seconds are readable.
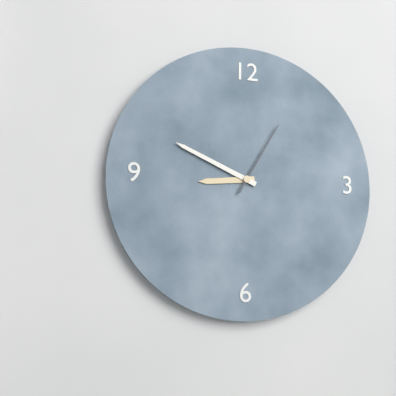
8,49,05
